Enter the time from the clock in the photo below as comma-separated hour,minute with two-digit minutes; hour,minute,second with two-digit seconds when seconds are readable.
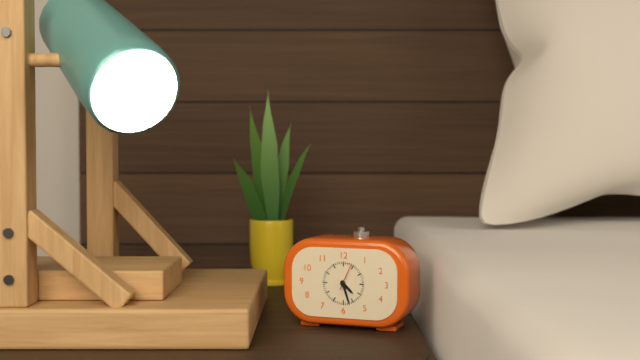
4,27
